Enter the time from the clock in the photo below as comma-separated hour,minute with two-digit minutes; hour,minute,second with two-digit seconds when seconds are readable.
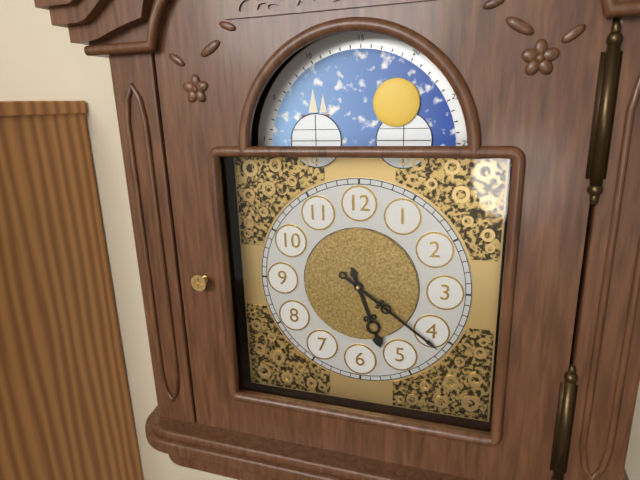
5,21
